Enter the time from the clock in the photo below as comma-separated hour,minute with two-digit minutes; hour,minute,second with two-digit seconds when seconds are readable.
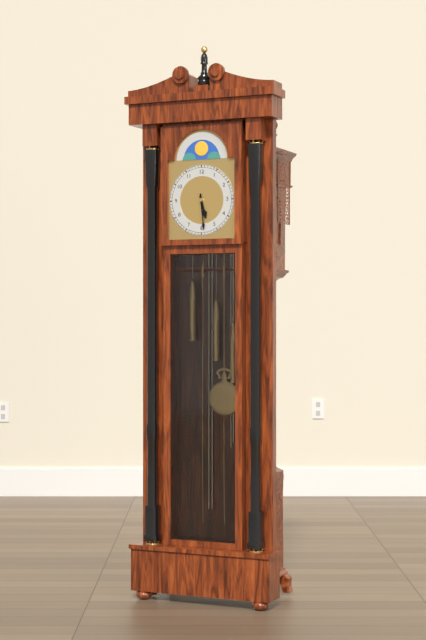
5,29
